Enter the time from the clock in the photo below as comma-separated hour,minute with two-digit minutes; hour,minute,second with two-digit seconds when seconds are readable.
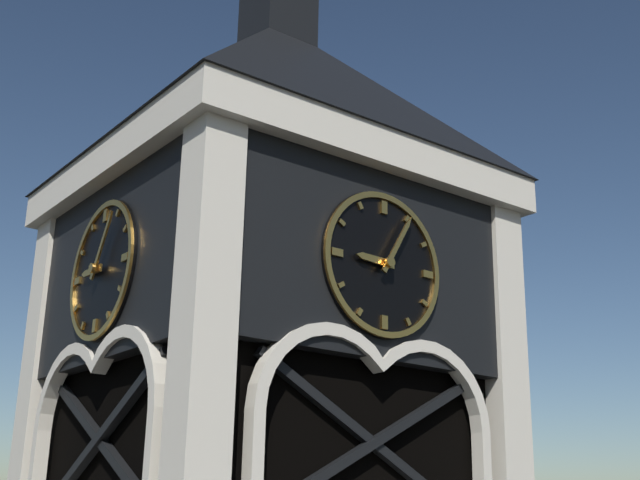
9,05
